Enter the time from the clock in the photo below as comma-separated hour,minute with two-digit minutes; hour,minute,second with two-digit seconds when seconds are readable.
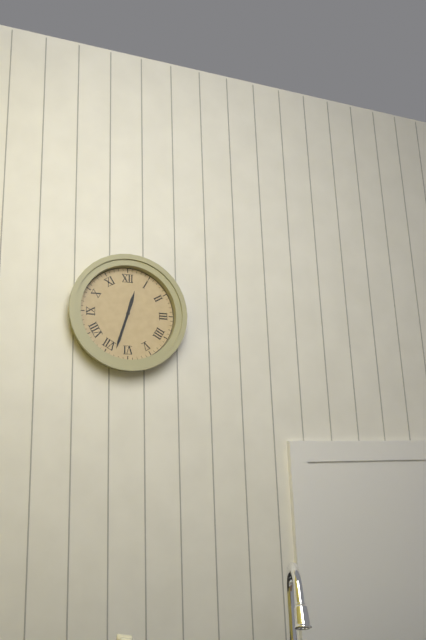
12,33
